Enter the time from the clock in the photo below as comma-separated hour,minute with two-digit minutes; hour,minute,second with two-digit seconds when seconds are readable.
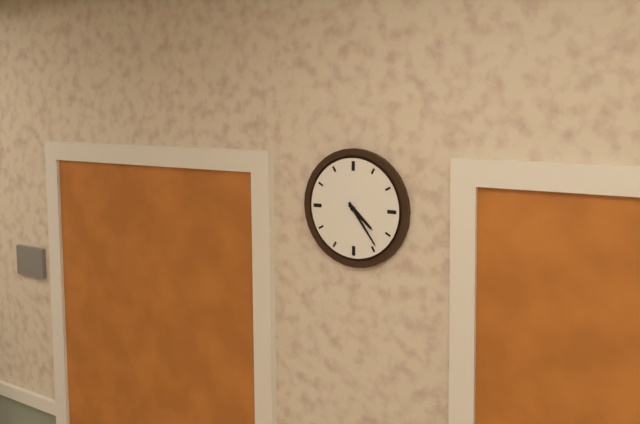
4,24
